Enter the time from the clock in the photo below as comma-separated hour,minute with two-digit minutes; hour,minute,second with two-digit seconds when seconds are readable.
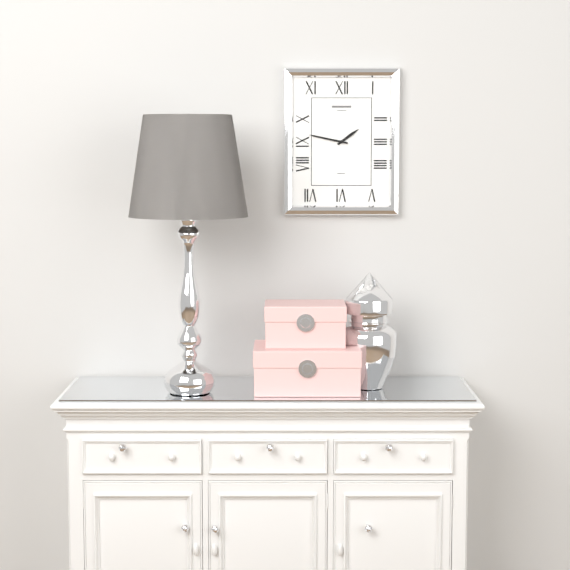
1,47
